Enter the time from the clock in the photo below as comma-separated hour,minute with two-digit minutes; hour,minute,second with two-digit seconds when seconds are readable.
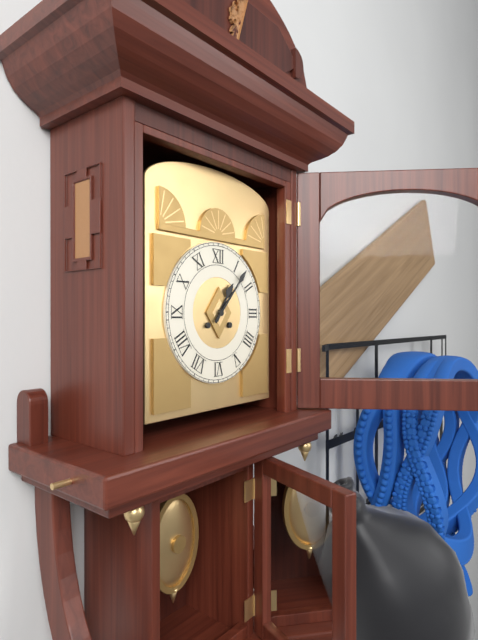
1,07
